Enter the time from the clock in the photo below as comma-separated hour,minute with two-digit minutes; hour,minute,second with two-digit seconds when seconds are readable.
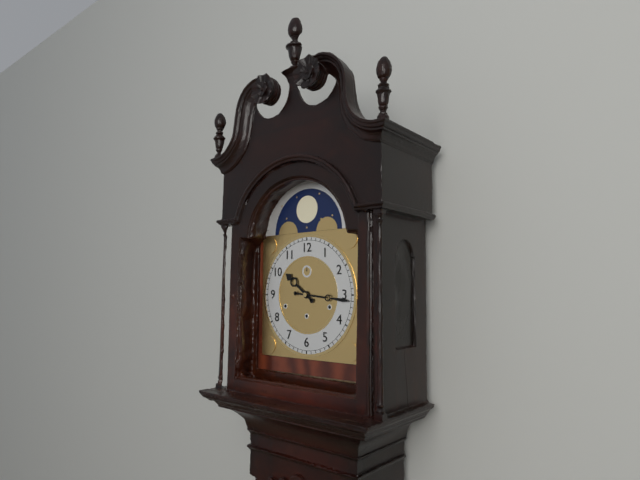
10,16
